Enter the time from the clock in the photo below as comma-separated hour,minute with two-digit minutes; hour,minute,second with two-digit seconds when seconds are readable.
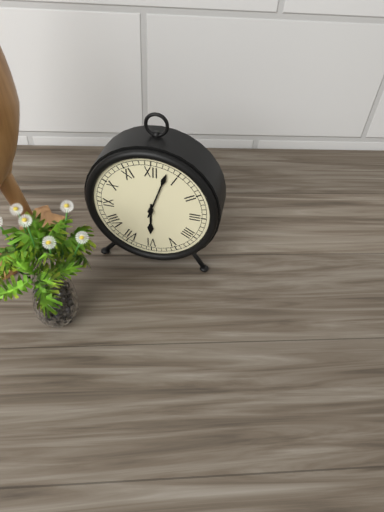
6,03
